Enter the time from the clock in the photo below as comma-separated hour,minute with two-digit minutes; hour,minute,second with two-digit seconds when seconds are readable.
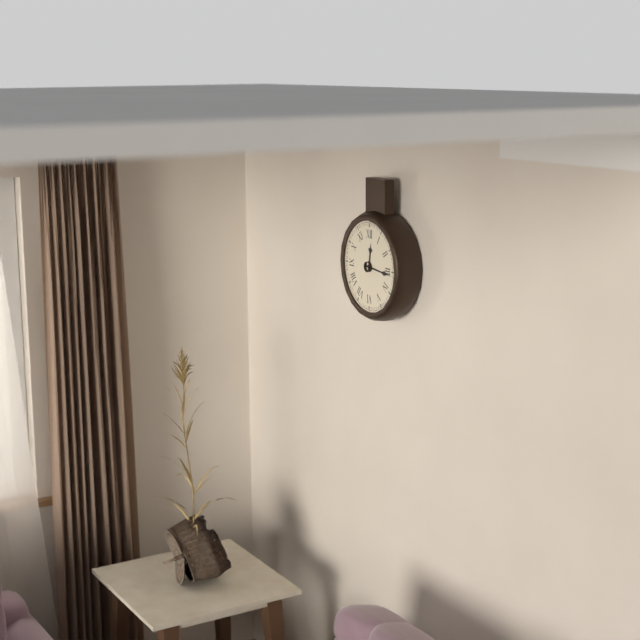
12,16
